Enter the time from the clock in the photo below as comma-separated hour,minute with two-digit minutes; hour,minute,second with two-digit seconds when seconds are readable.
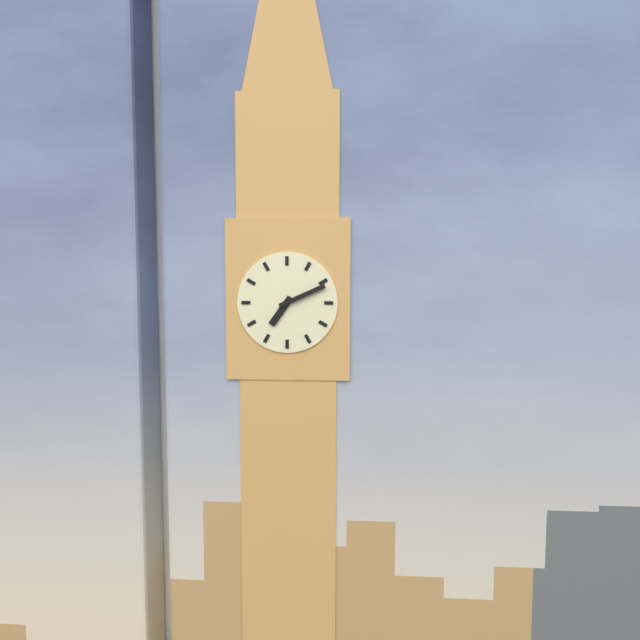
7,11
